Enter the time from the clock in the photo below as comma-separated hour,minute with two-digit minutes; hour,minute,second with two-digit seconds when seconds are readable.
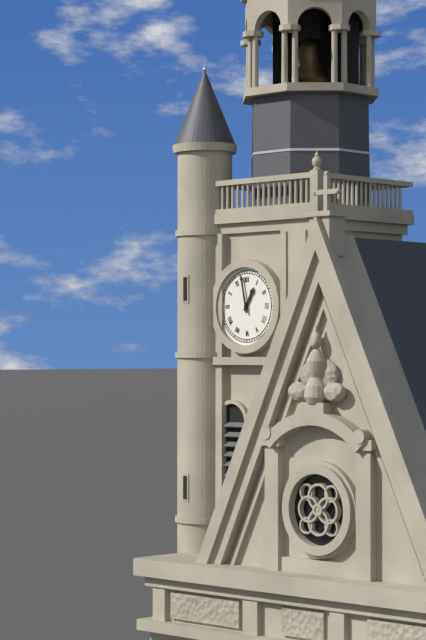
12,58
